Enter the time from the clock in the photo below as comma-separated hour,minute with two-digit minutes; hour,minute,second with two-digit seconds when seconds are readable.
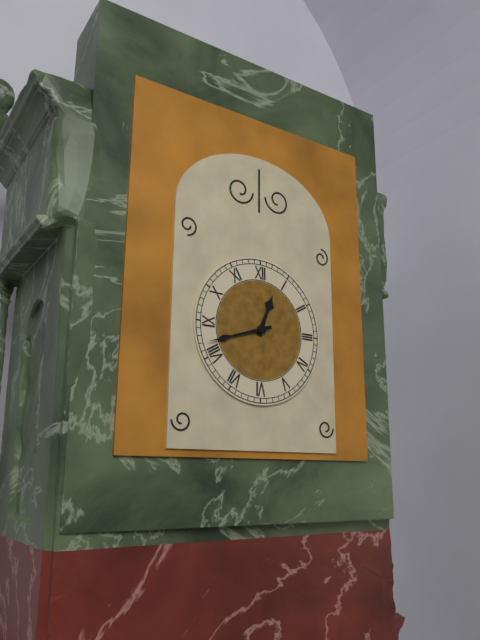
12,42
